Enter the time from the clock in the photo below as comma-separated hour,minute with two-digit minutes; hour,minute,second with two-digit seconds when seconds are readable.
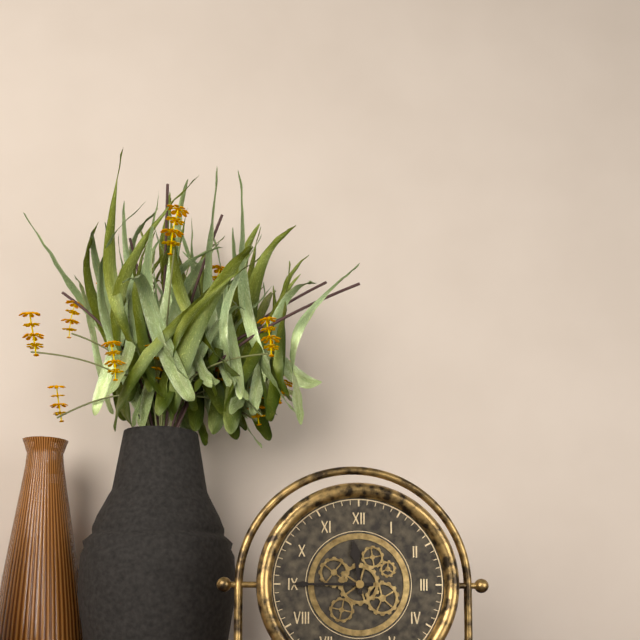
11,45
